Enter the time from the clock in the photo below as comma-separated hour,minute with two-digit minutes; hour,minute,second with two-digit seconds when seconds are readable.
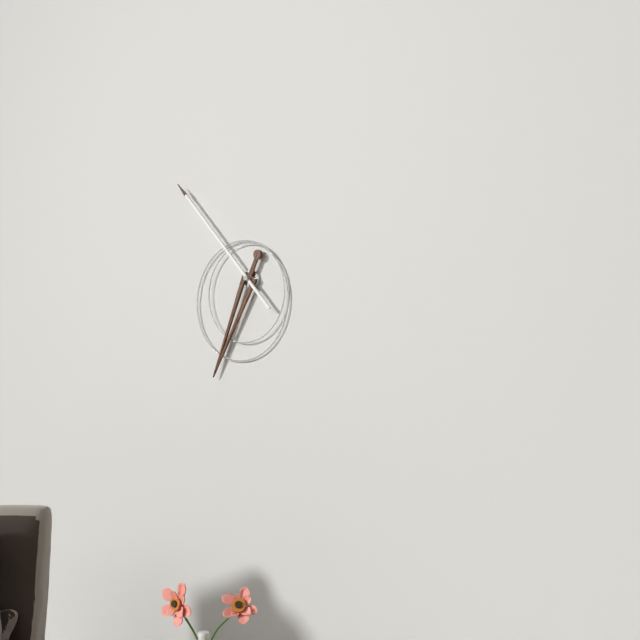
6,53
